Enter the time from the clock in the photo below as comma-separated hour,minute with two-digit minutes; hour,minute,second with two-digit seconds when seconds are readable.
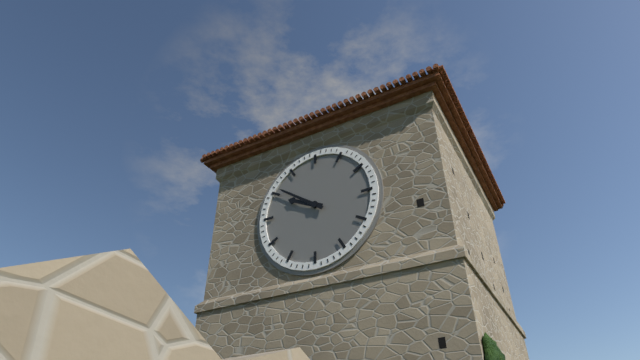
9,51
